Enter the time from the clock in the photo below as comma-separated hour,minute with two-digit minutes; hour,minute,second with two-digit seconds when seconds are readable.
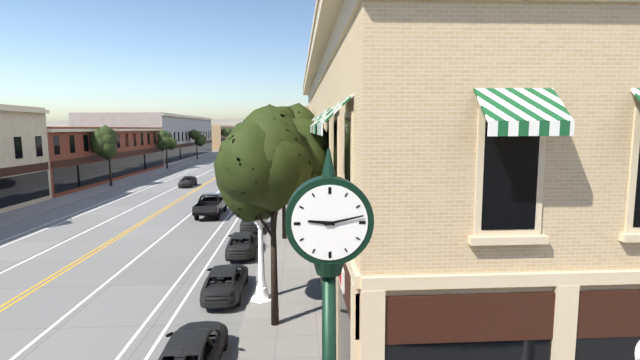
9,13
